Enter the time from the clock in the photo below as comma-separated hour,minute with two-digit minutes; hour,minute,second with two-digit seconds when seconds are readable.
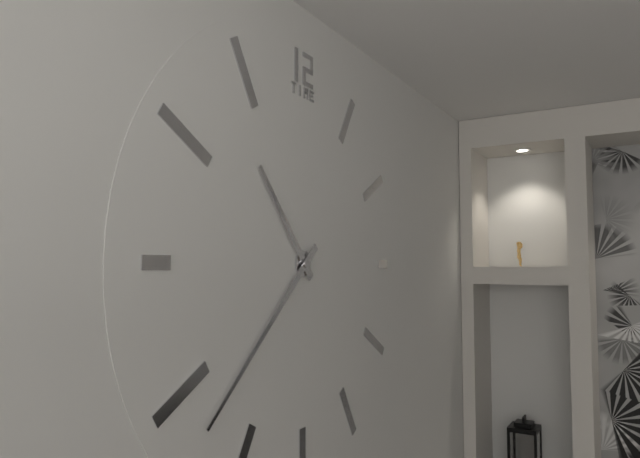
10,38
